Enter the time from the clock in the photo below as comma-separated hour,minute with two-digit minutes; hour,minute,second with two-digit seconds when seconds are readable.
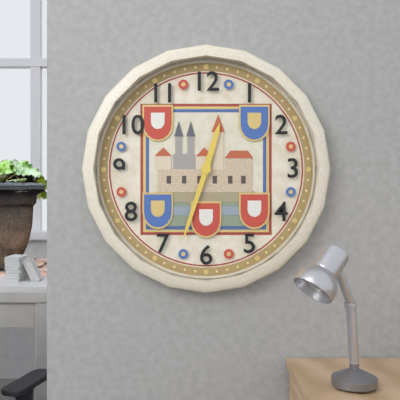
12,33
